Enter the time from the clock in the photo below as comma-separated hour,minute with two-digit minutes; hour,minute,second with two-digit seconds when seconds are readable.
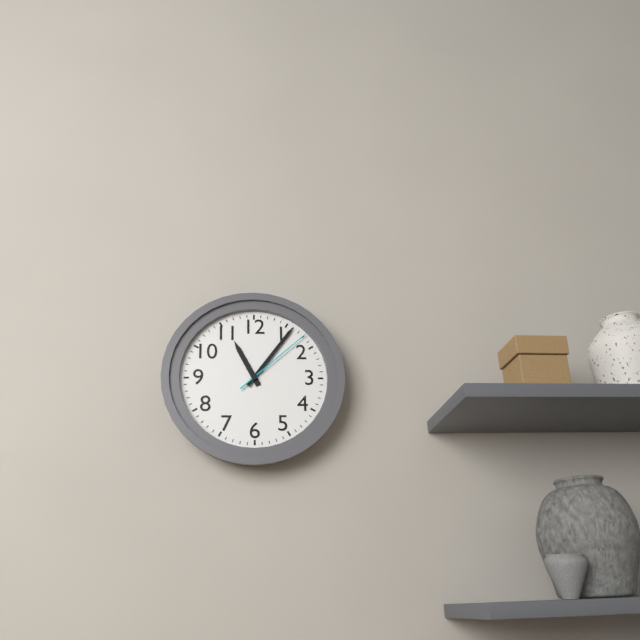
11,06,08
